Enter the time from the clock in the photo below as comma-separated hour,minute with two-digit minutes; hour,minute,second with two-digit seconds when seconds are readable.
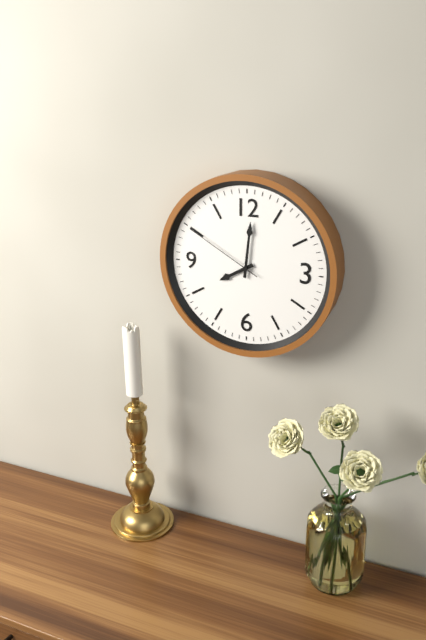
8,01,50
